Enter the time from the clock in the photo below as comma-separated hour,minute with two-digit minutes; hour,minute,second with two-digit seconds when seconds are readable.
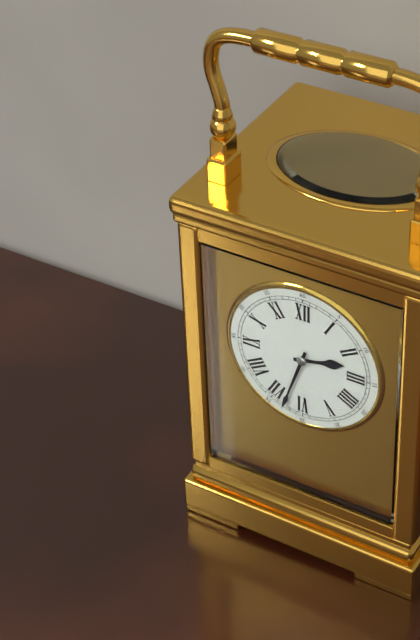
2,33
